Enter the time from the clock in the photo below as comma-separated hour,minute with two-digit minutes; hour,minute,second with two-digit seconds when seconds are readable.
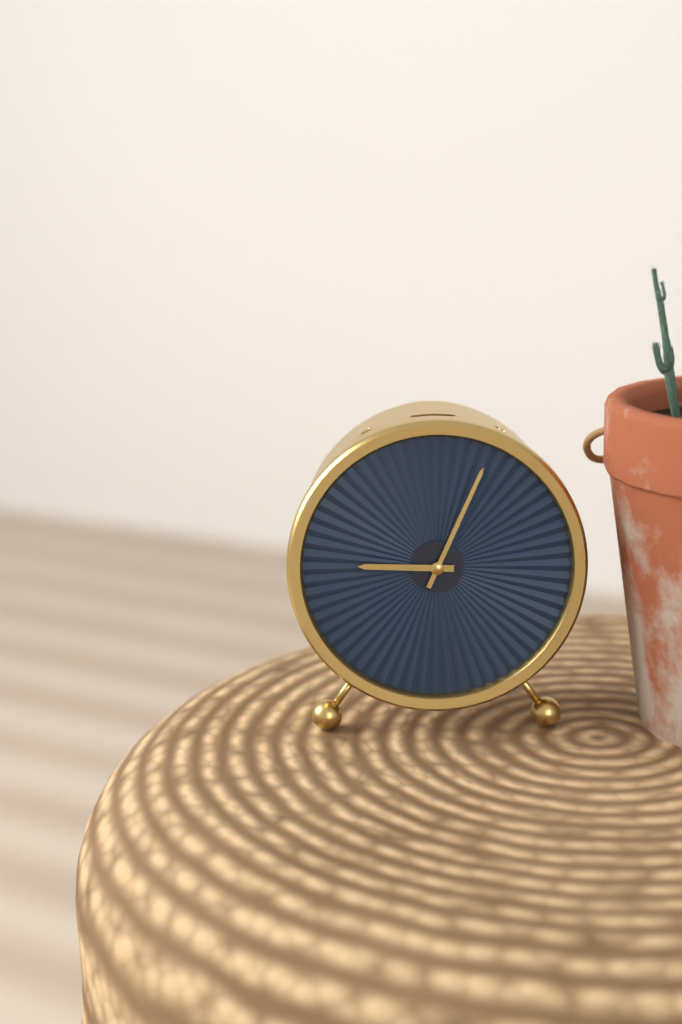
9,04
